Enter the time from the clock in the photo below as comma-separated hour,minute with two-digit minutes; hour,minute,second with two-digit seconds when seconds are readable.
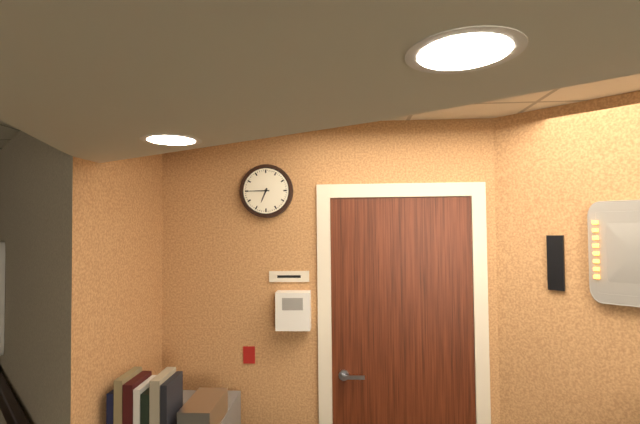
6,45
